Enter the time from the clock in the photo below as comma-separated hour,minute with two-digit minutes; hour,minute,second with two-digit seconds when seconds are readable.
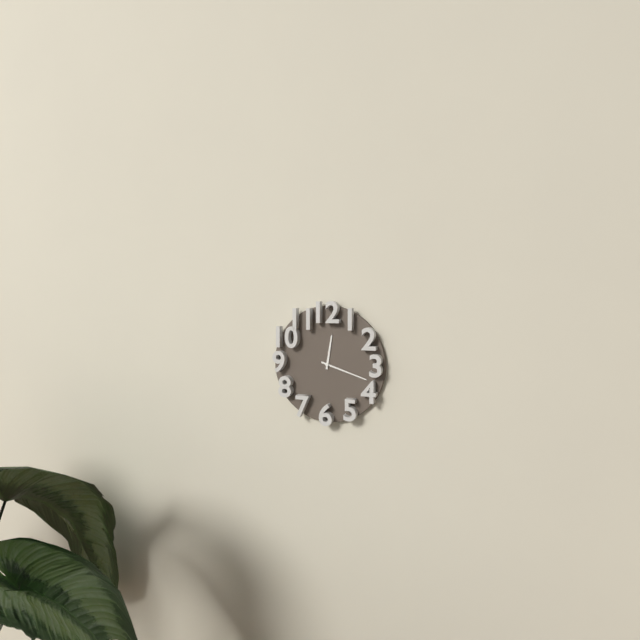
12,18
